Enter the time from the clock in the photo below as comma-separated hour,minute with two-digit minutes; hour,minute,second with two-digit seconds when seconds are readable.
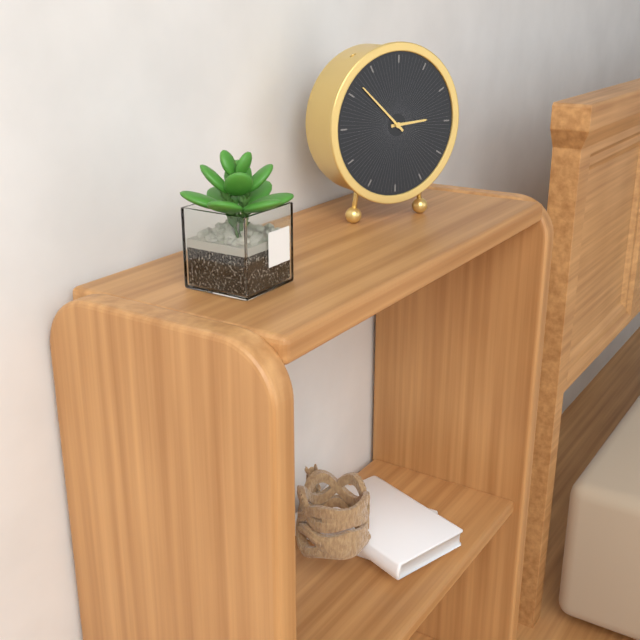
2,52
